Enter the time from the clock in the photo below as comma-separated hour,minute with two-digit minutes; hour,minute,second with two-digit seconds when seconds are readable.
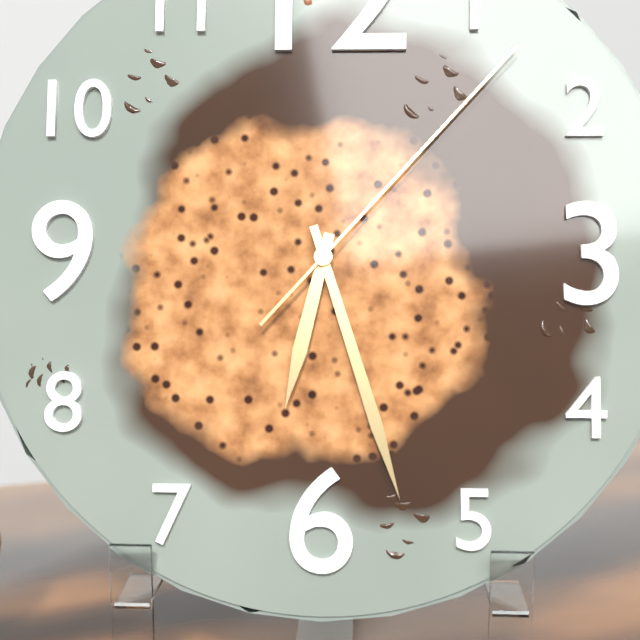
6,27,07
